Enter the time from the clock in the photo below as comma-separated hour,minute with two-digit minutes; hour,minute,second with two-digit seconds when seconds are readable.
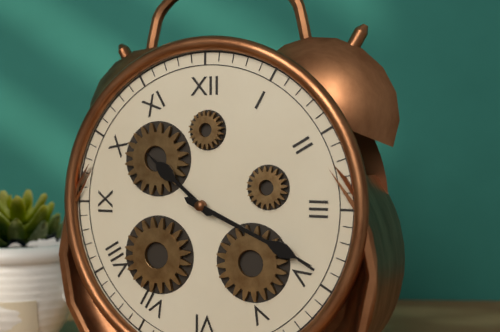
10,19
